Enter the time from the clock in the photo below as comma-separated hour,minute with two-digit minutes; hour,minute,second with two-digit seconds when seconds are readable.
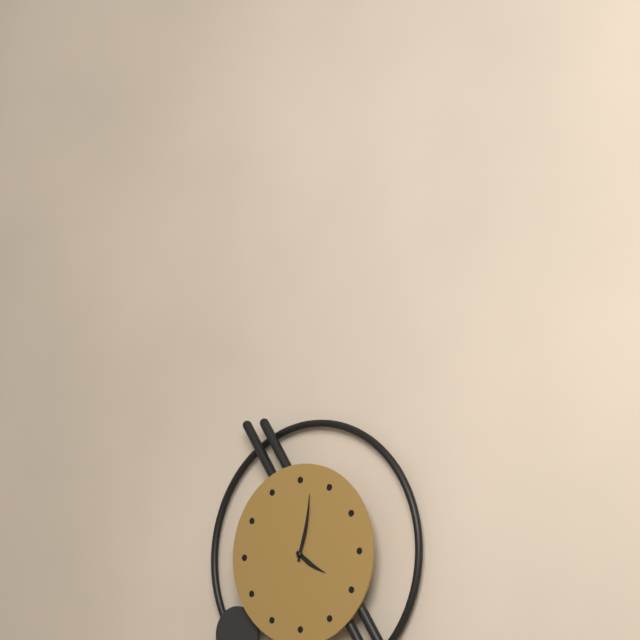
4,02
